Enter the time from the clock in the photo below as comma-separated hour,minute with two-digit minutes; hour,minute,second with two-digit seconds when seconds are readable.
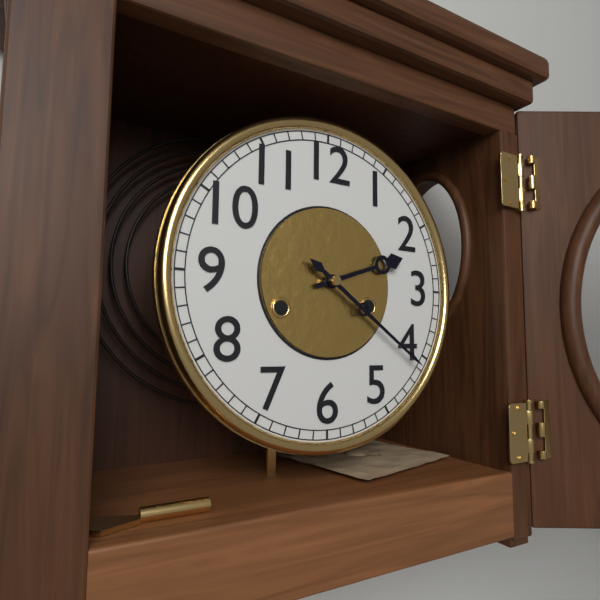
2,21
